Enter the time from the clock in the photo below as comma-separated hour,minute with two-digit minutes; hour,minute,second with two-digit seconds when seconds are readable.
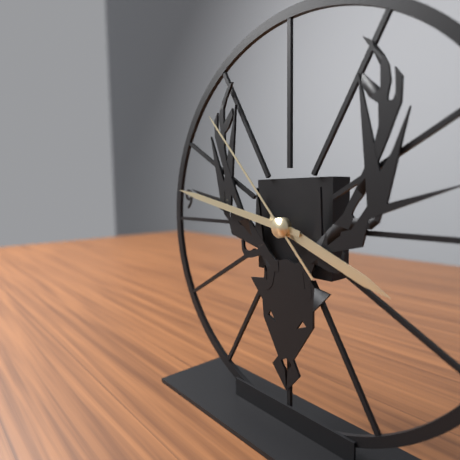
3,47,53
